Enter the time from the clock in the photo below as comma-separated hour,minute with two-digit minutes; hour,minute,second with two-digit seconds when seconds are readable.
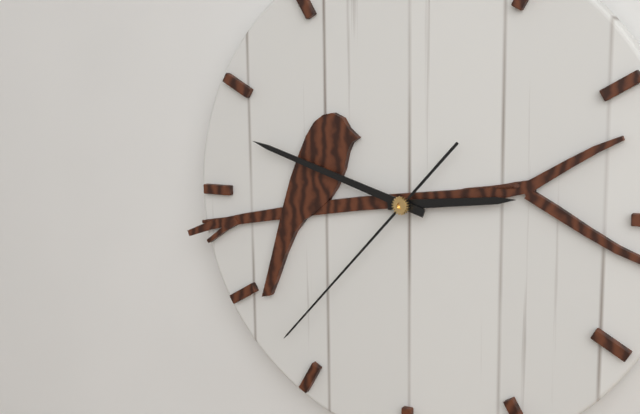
2,48,37
